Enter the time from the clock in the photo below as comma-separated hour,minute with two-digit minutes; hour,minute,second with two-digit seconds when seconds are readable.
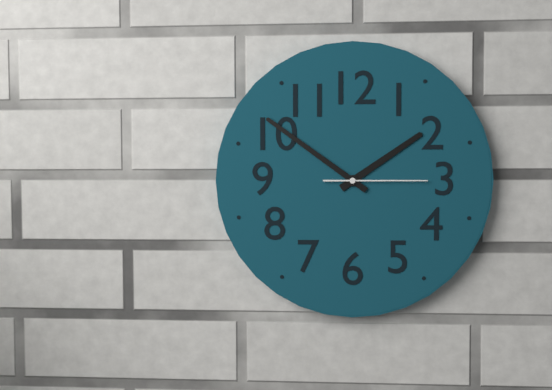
1,51,15
